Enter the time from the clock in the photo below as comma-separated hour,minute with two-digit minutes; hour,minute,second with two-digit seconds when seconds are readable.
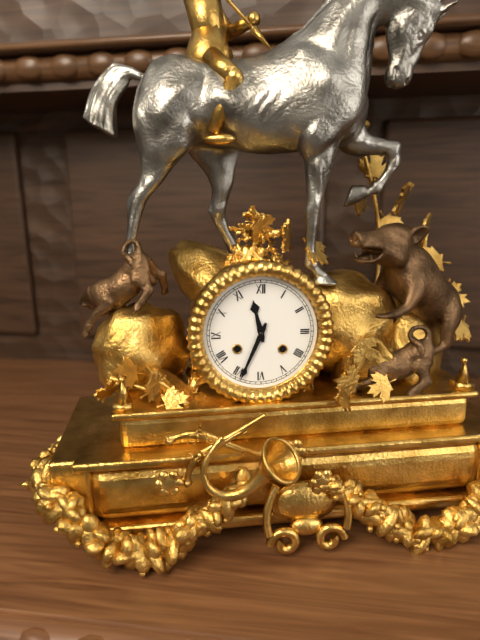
11,34
